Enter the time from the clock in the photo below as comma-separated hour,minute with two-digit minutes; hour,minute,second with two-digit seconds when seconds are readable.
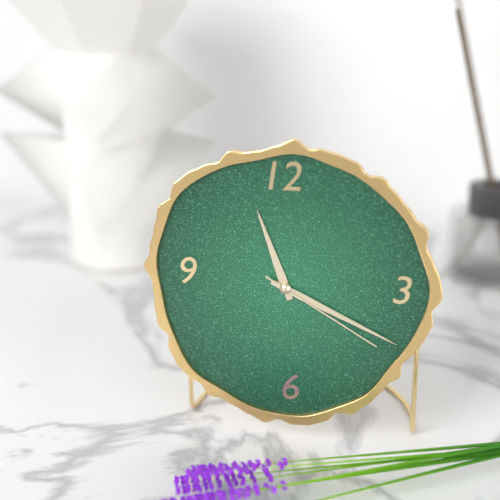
11,19,20
